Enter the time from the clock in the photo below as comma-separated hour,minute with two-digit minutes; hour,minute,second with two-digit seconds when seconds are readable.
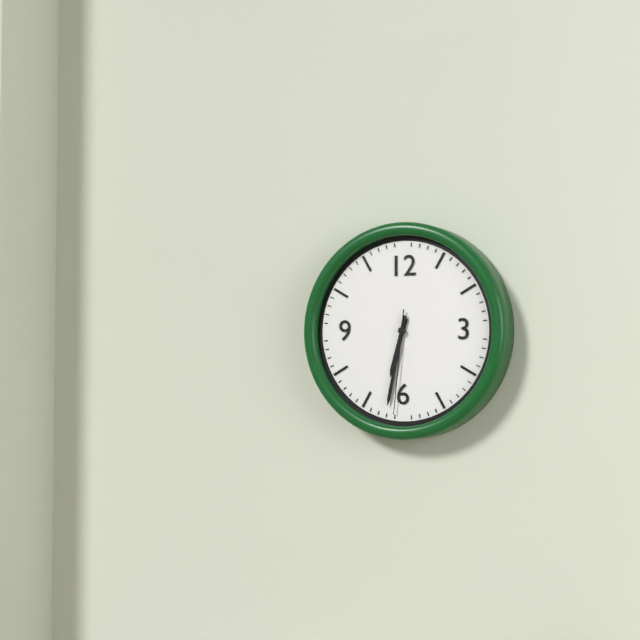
6,32,31
